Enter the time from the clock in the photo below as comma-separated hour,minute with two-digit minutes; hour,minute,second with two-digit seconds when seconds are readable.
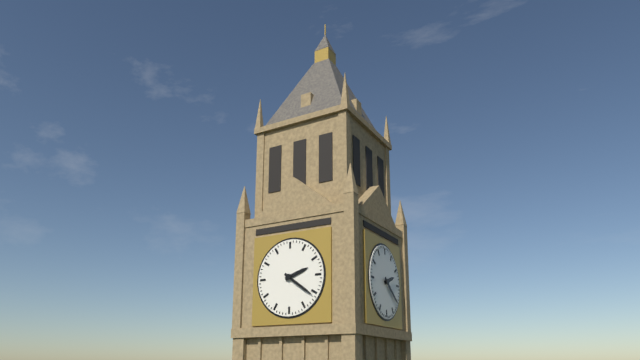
2,21
